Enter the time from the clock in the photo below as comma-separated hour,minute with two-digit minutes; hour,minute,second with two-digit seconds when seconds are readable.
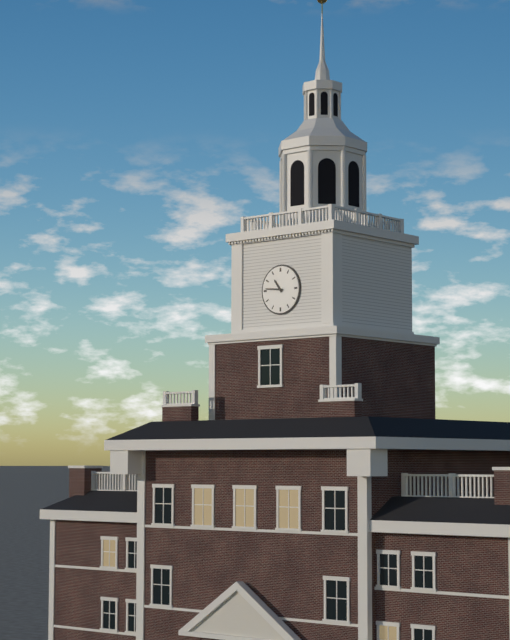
10,46
